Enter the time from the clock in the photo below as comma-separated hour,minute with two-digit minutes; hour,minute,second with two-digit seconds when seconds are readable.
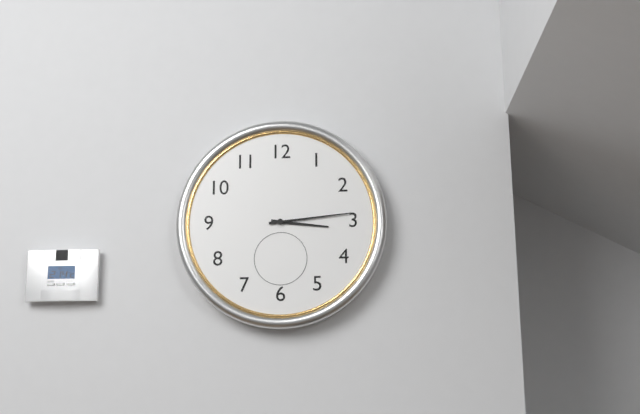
3,14
